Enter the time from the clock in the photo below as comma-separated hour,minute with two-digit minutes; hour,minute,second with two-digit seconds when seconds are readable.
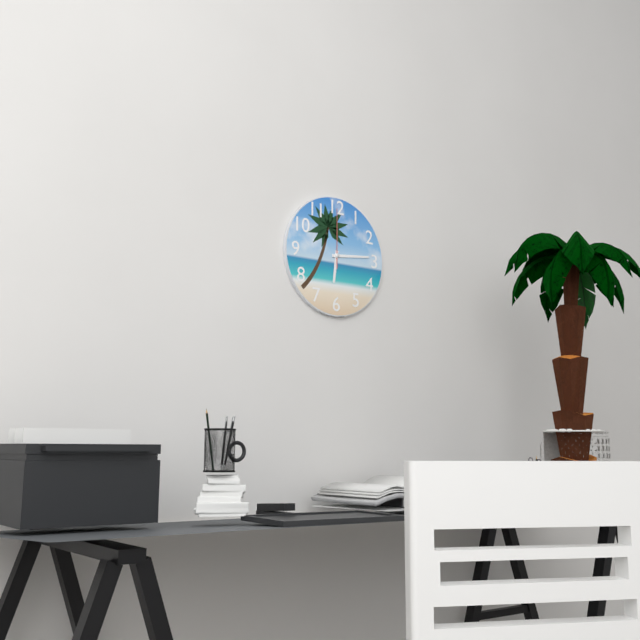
6,14,00
